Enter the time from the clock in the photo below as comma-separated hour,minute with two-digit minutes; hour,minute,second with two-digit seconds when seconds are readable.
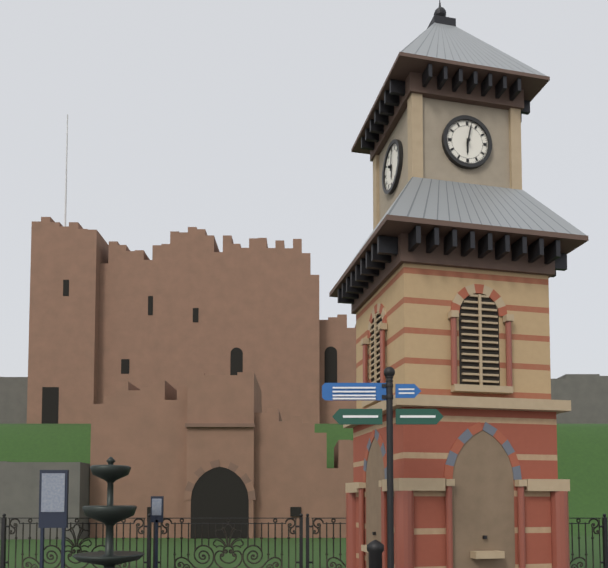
6,02
